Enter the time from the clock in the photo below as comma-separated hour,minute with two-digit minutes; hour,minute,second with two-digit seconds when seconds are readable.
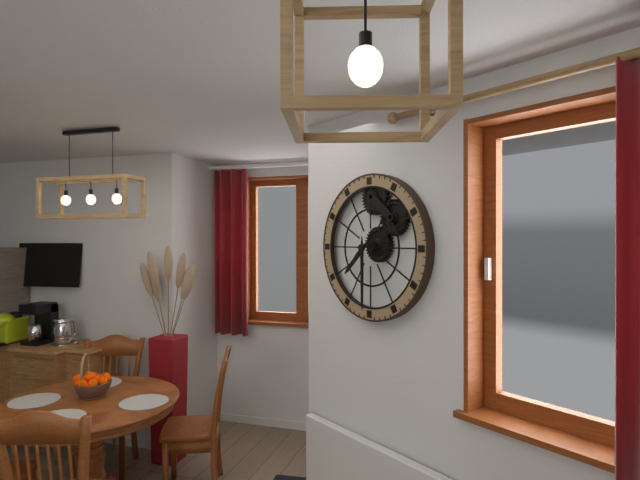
7,30
